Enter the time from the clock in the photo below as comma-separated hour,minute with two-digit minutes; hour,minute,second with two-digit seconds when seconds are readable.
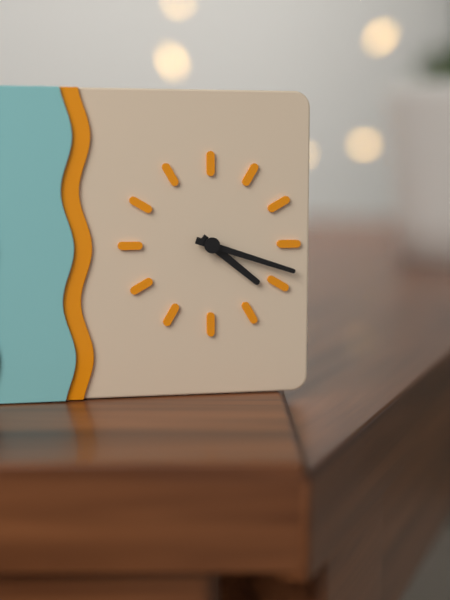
4,18
